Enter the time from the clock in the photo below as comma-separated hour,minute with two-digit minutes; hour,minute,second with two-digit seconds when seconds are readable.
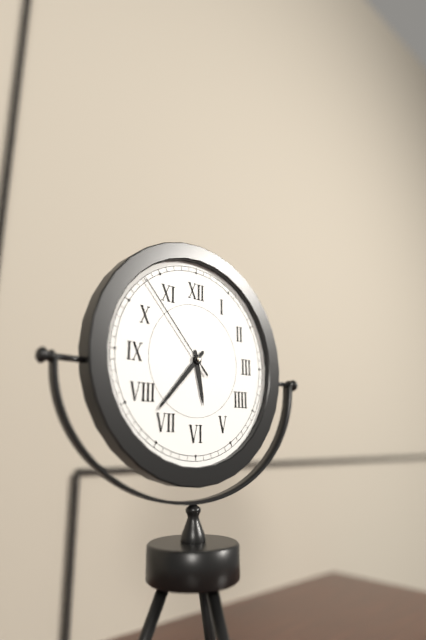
5,37,53
